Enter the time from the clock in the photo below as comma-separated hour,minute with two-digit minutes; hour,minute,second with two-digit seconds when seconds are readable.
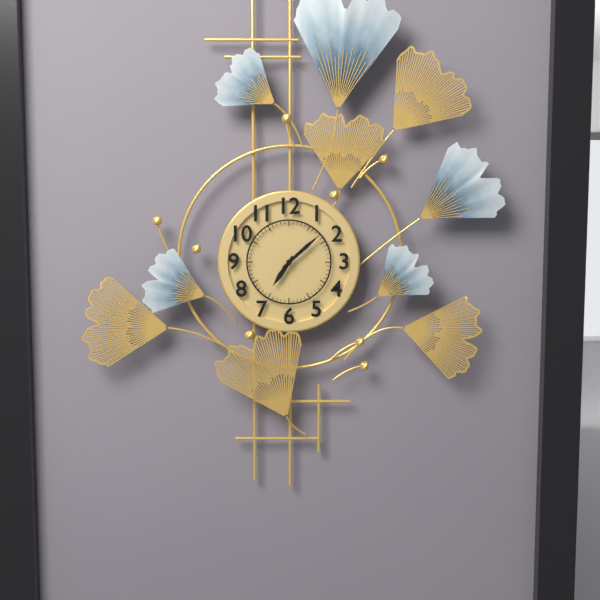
7,08
